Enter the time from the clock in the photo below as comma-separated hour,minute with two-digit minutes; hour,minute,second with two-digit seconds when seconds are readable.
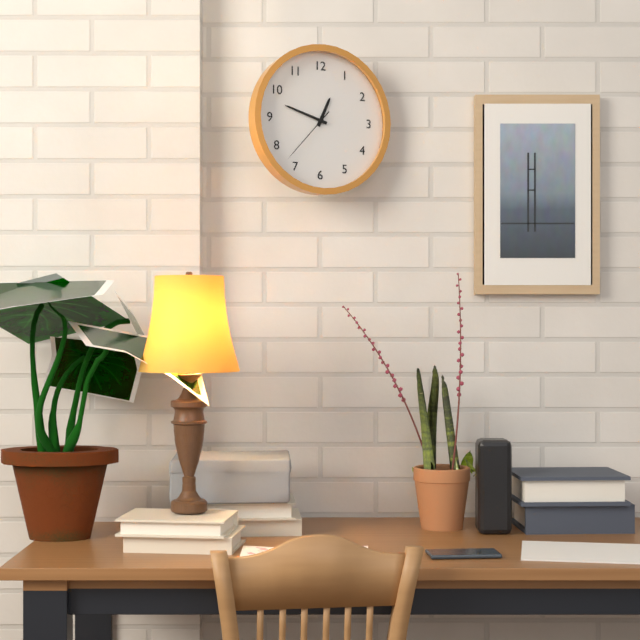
12,48,37
